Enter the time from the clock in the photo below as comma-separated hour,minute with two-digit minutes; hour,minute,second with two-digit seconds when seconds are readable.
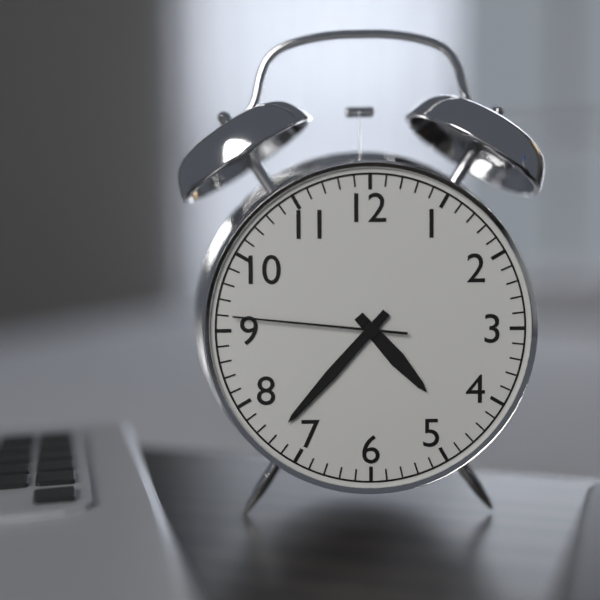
4,37,46
